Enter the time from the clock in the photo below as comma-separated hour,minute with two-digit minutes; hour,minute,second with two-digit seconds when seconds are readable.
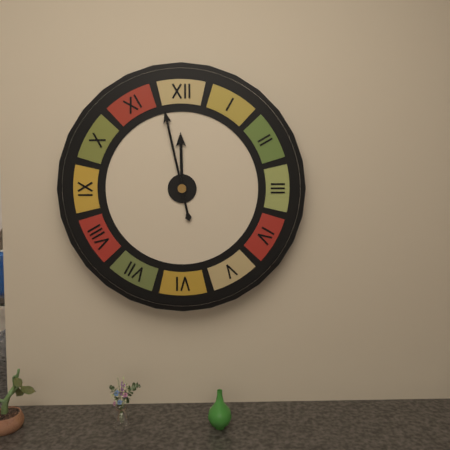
11,58
